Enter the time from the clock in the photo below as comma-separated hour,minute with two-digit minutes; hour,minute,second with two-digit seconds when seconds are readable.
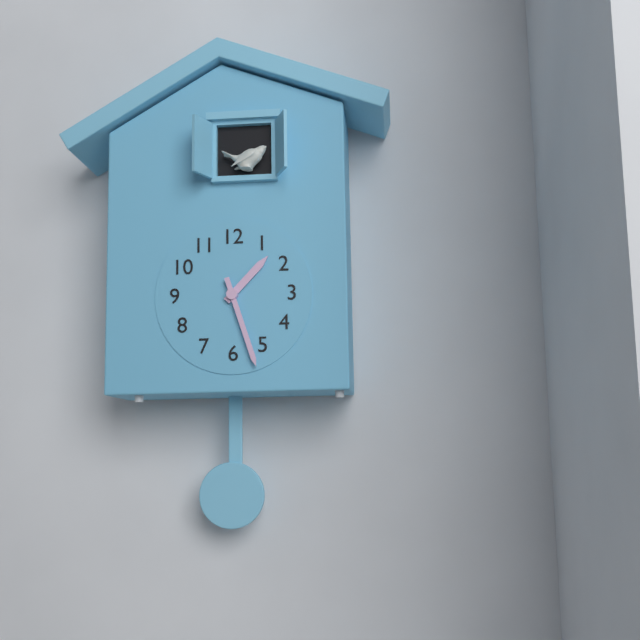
1,27
